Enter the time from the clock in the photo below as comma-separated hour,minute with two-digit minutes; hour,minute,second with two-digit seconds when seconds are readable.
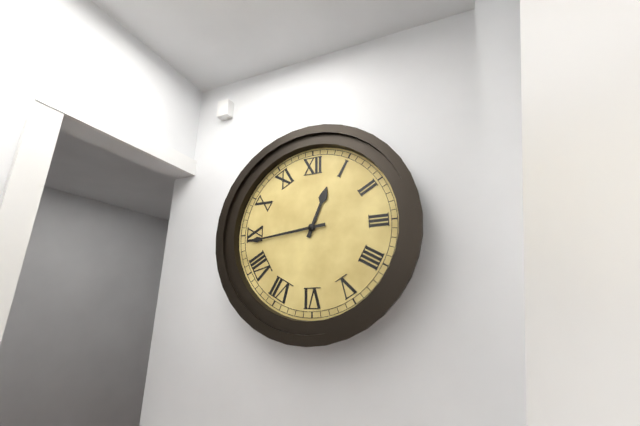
12,44
